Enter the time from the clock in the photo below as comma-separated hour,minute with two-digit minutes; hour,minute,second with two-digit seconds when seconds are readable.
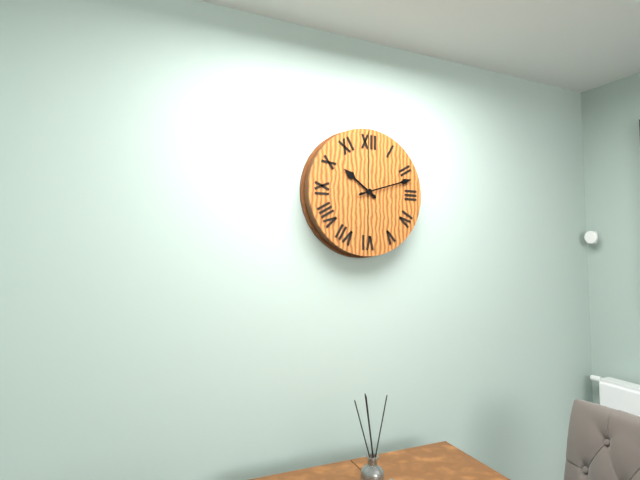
10,12
